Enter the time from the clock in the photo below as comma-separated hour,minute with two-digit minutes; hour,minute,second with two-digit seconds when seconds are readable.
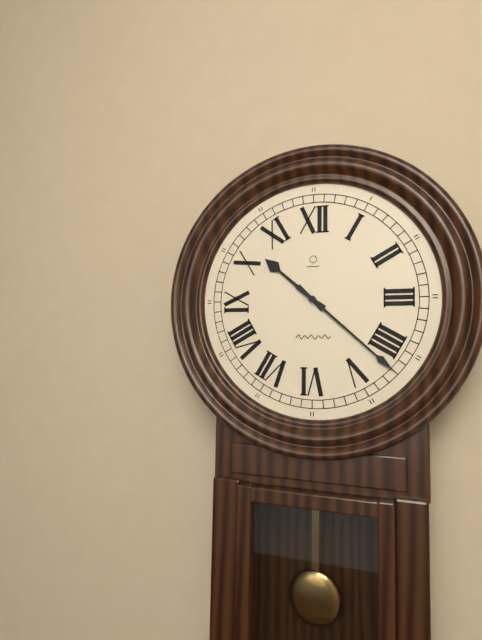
10,22
